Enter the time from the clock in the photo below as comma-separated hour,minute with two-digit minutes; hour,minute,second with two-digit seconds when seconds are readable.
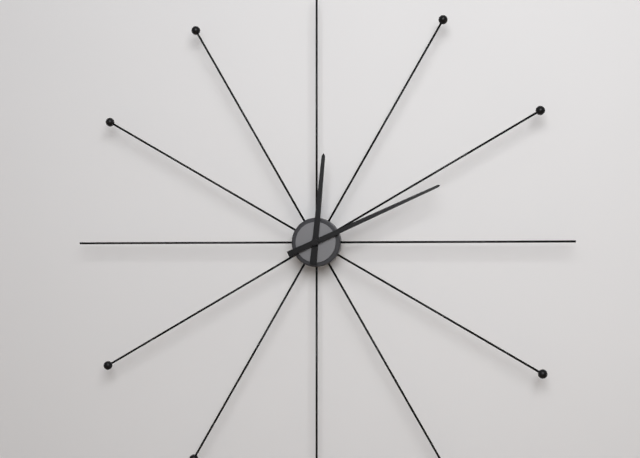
12,11
